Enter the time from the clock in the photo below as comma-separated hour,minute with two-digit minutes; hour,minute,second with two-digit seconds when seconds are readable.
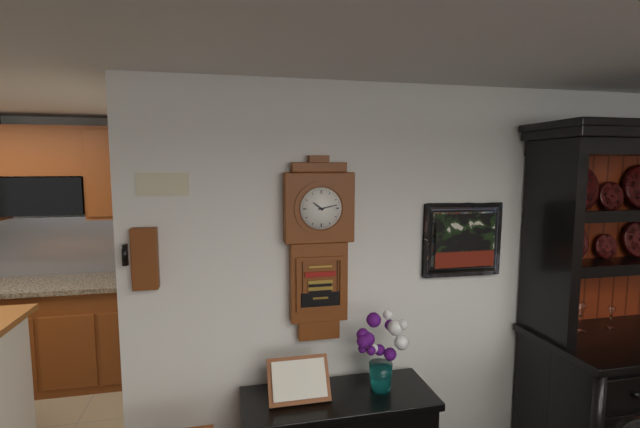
10,13
